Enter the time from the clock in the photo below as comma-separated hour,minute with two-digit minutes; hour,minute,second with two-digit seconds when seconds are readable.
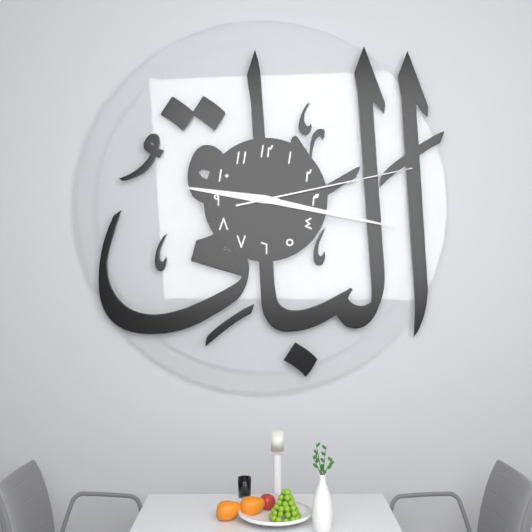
9,17,13
